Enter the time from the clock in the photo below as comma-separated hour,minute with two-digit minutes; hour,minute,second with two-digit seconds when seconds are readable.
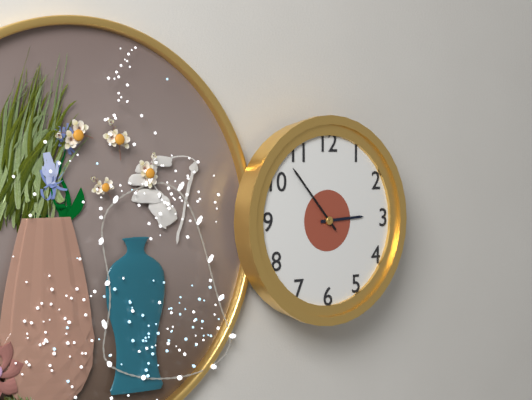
2,53
